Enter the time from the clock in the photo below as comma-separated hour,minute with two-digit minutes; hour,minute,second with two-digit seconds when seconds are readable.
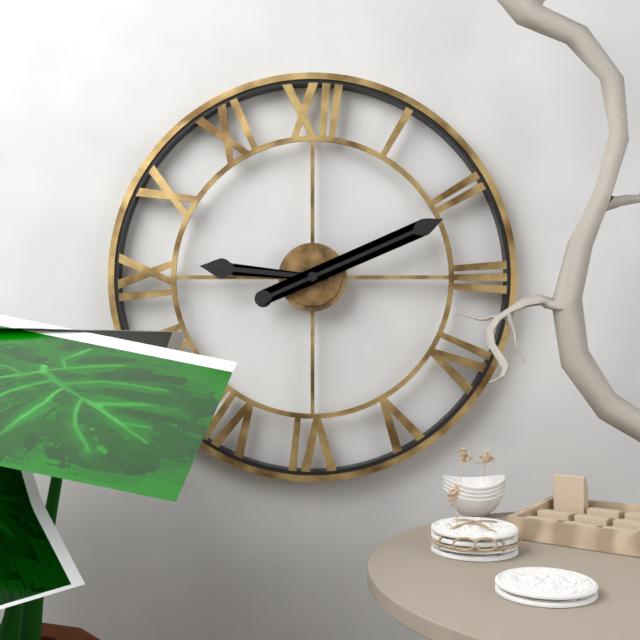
9,11
